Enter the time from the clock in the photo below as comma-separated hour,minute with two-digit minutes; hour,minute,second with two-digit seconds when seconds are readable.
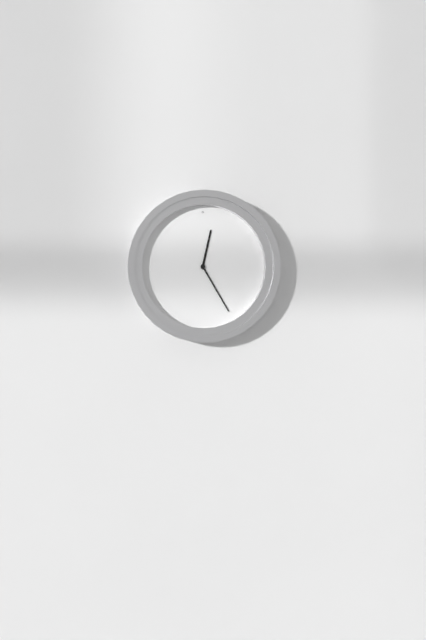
12,25
